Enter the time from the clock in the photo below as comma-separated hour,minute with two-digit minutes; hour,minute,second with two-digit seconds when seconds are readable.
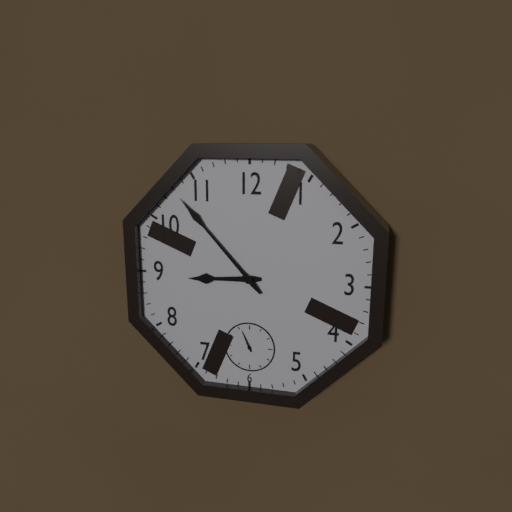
8,53
